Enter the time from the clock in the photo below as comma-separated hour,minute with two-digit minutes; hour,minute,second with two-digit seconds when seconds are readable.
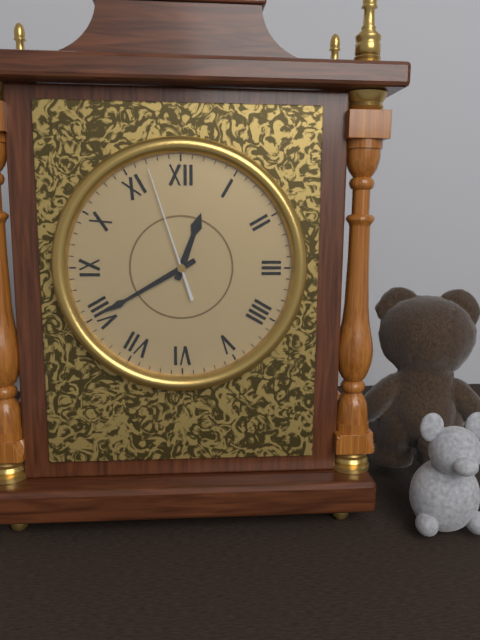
12,40,57
